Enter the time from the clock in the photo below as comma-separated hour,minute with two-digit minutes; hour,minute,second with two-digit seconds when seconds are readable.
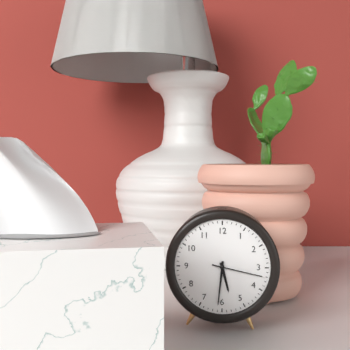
5,31,17
